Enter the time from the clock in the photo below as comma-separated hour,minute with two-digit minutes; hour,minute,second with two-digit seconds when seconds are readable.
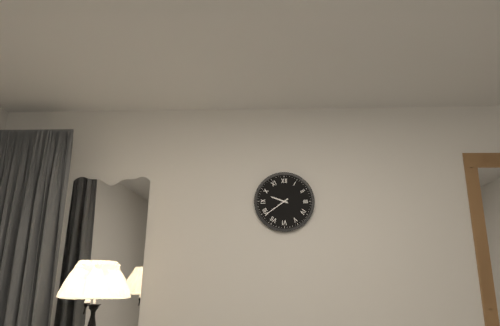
9,39
